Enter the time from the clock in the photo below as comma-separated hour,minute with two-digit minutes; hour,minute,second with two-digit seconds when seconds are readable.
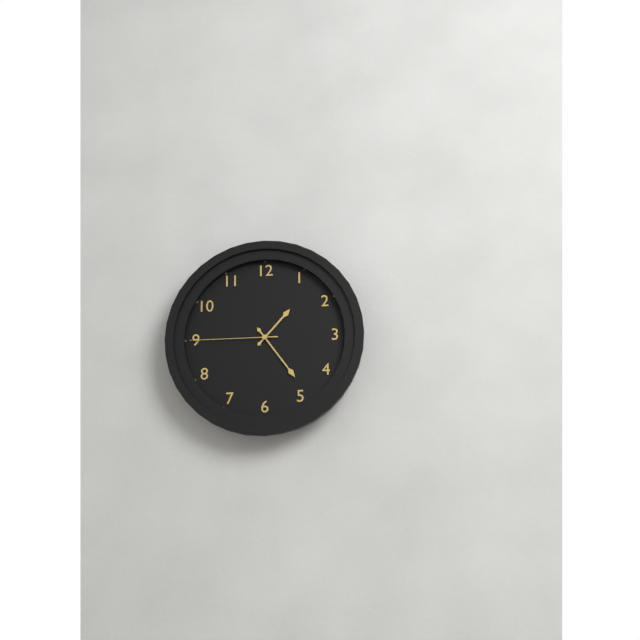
1,24,45
